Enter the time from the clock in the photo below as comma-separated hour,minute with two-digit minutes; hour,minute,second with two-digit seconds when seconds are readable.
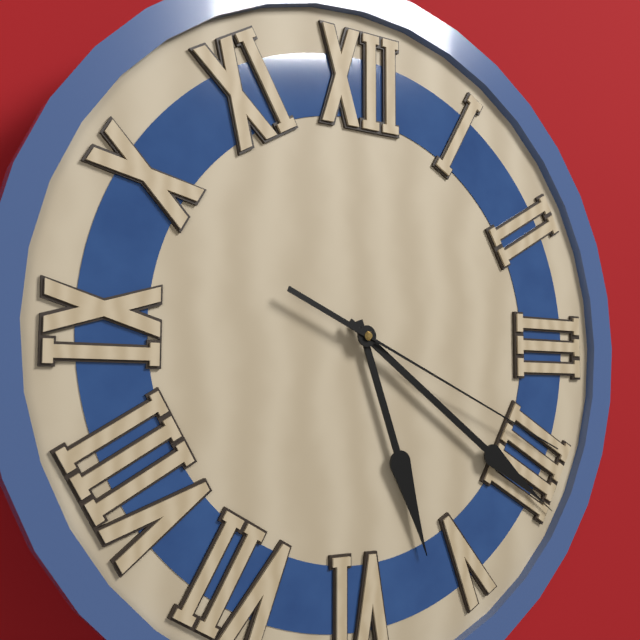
5,21,19
